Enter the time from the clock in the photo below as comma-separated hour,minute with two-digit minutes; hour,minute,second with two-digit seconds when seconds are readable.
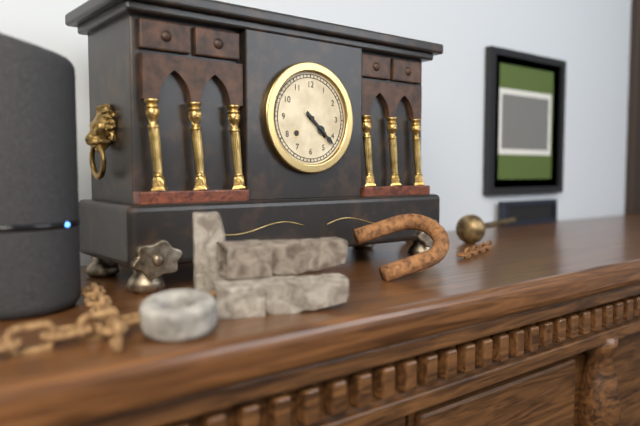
4,22
